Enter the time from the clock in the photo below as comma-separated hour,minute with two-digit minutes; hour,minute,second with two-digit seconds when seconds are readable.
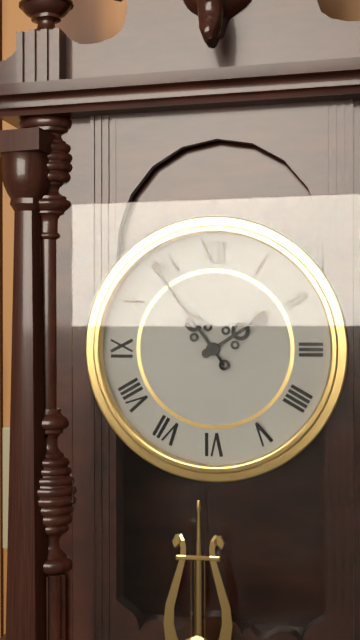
1,54
